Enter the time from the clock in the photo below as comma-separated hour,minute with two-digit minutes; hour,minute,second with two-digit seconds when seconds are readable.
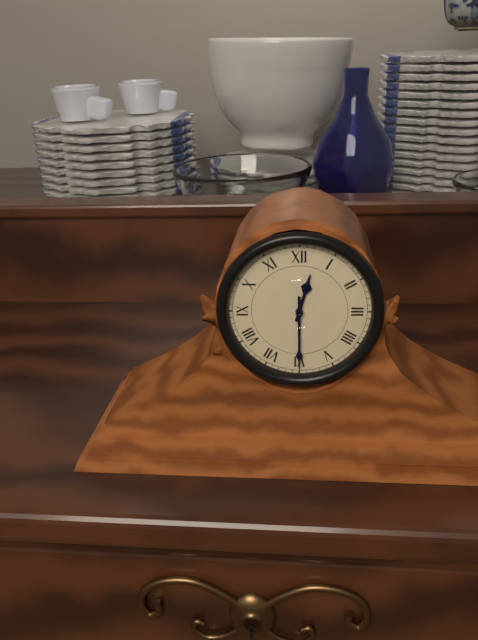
12,30
